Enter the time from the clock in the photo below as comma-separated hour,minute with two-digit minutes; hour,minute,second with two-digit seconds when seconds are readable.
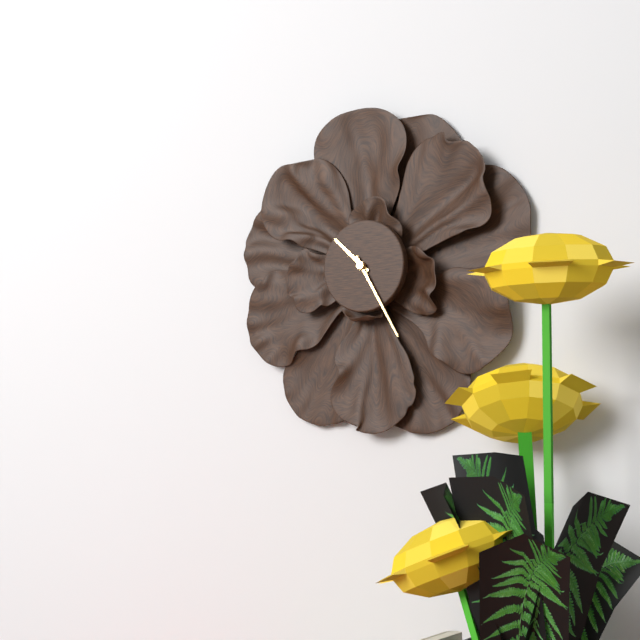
10,25
